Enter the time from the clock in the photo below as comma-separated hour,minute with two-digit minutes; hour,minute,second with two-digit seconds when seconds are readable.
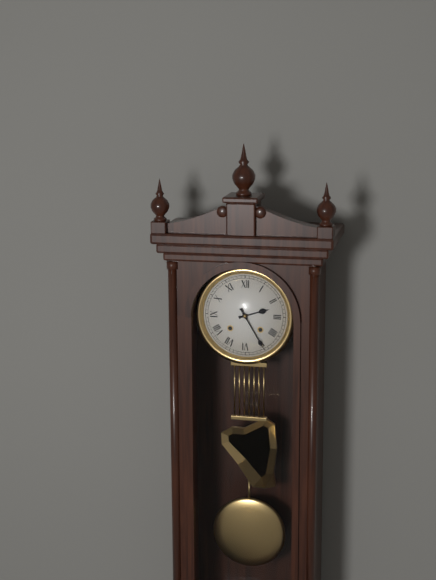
2,25
